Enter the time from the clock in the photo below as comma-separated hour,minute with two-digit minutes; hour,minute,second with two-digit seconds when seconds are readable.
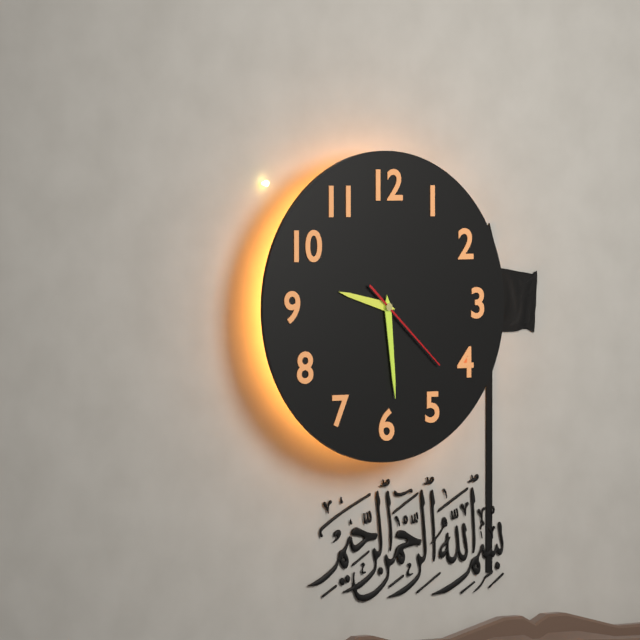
9,29,22
